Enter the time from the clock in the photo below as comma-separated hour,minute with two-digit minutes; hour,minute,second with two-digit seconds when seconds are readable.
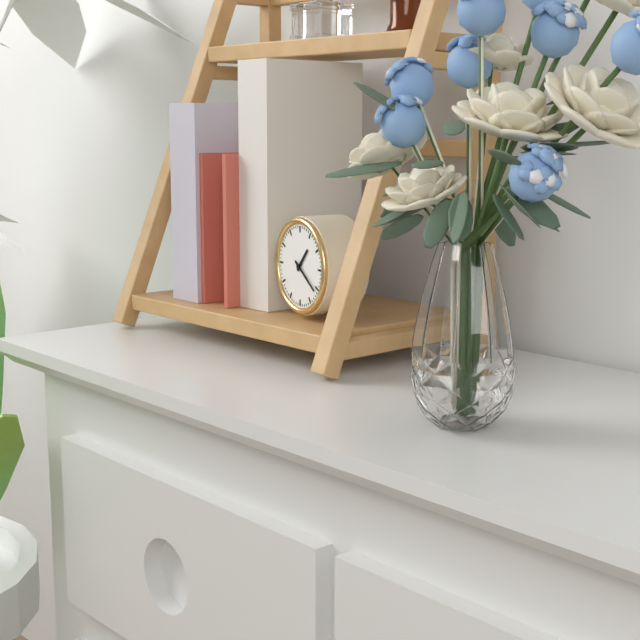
1,21
